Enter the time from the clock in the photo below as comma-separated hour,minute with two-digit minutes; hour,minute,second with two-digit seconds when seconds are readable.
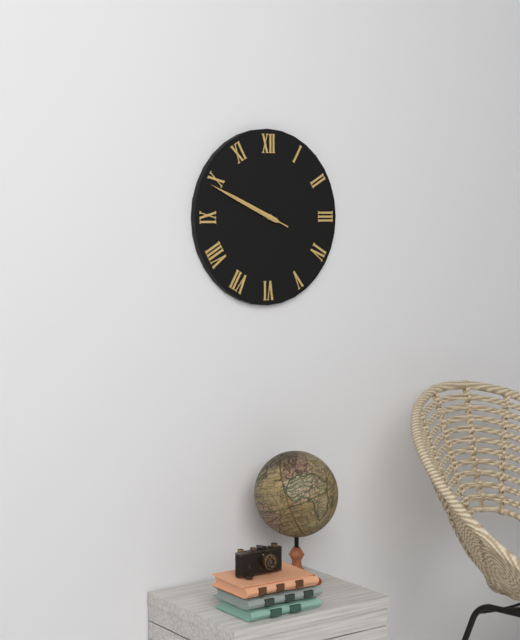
9,49,49
